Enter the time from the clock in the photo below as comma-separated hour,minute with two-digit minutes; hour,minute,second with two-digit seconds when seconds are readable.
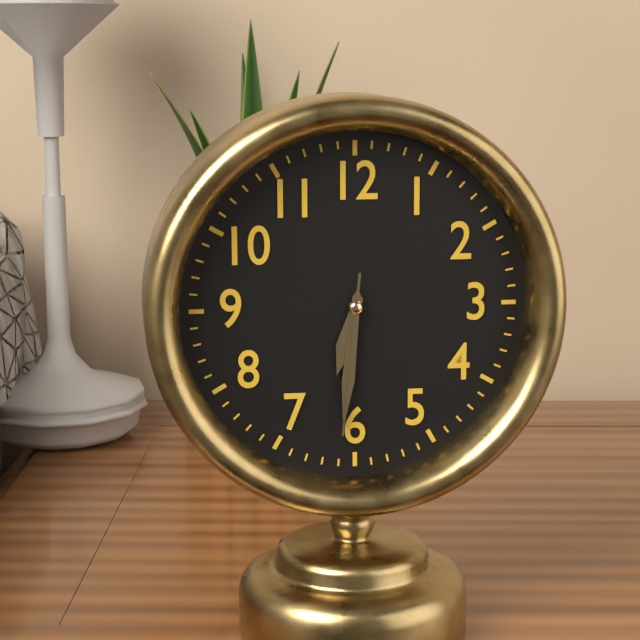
6,31,31
